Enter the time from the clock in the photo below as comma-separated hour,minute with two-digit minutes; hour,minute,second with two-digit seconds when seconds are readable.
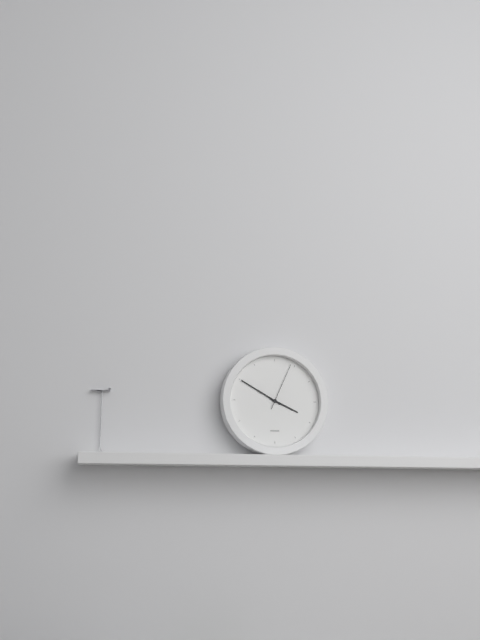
3,50,04
